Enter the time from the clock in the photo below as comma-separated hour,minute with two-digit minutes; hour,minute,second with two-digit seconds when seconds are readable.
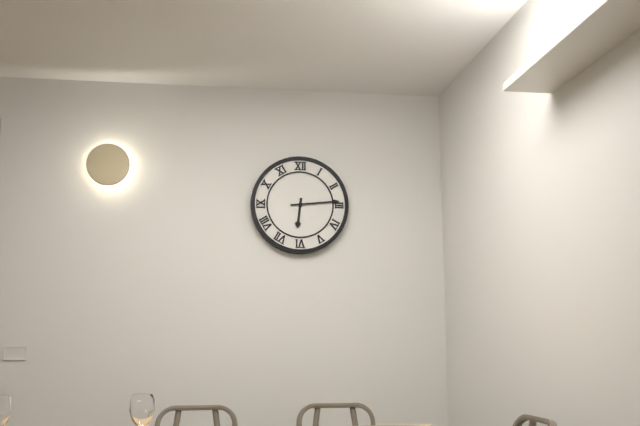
6,14
